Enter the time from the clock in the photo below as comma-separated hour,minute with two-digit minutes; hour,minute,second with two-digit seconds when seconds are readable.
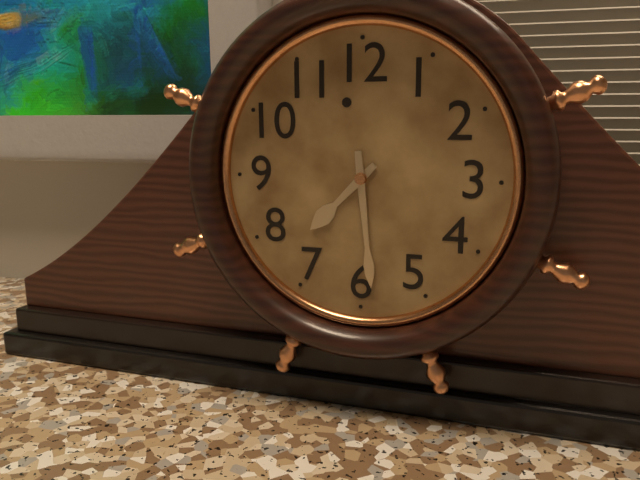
7,29
